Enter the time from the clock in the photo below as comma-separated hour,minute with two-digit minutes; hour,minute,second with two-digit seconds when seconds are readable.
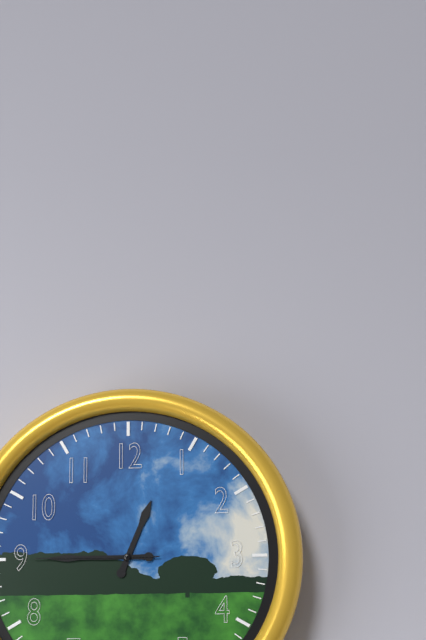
12,45,45
